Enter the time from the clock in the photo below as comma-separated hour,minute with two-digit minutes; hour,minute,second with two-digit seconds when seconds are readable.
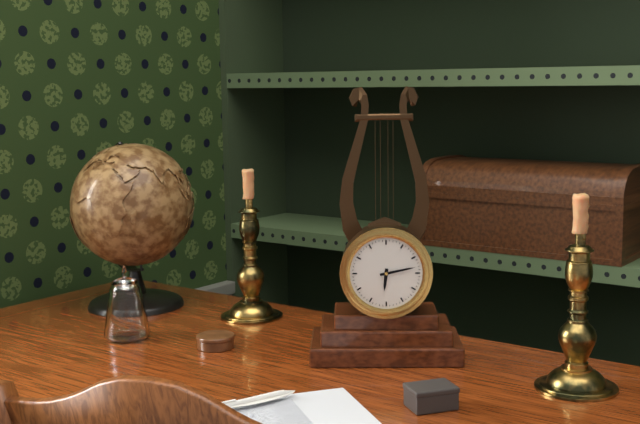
6,13
